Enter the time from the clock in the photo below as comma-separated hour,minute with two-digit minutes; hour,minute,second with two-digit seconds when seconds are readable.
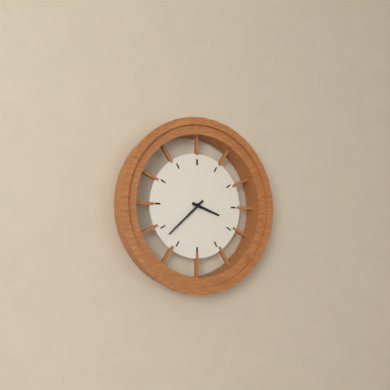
3,38
